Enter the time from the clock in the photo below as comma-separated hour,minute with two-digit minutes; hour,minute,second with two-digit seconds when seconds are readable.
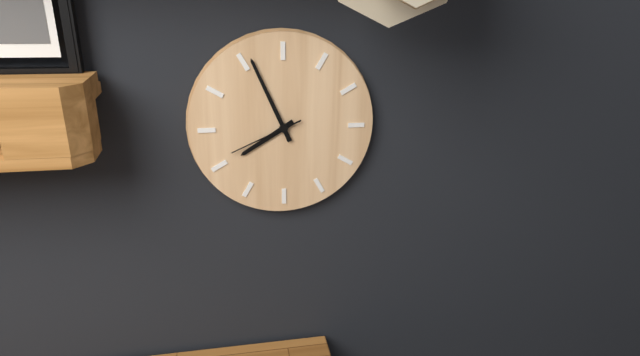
7,56,41
